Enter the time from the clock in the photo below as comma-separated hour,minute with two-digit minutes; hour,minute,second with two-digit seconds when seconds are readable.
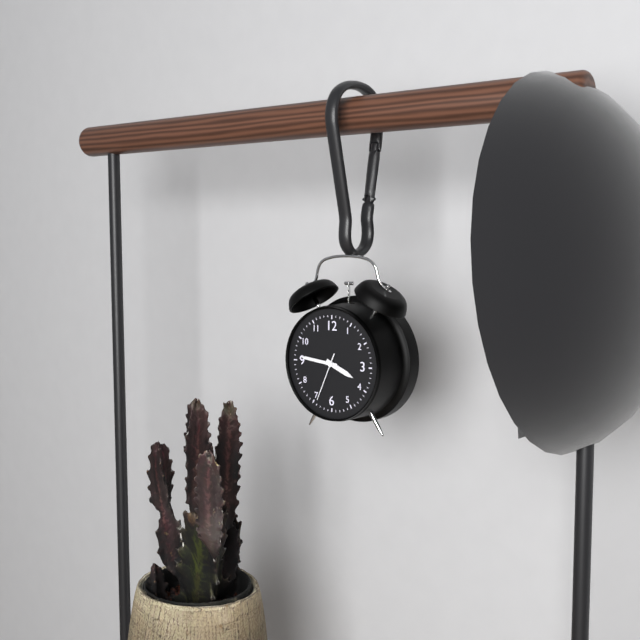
3,46
